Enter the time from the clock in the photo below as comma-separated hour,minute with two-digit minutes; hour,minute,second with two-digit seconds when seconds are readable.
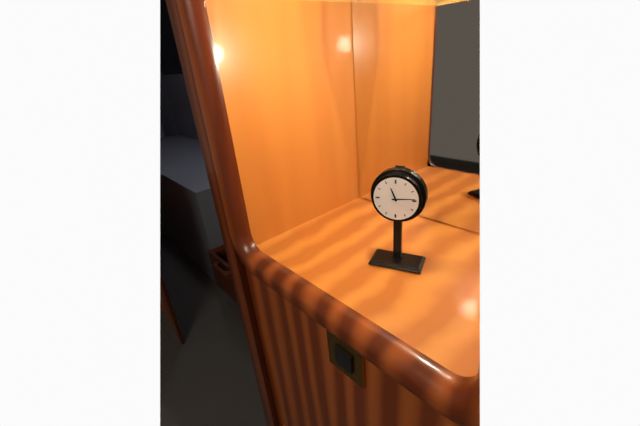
11,14
